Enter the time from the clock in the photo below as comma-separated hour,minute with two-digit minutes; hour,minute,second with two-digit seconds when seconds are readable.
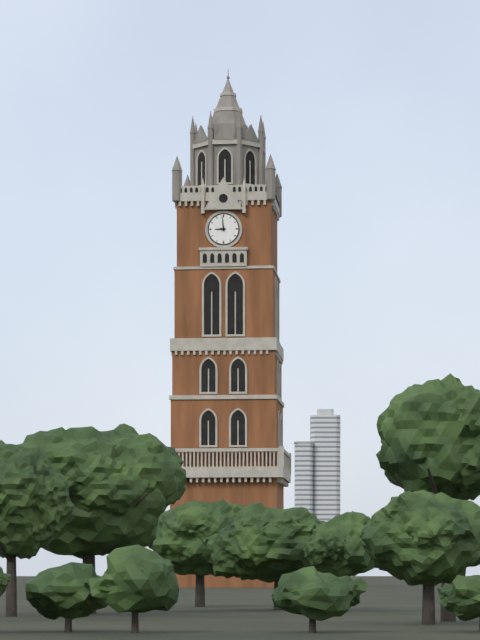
8,59
